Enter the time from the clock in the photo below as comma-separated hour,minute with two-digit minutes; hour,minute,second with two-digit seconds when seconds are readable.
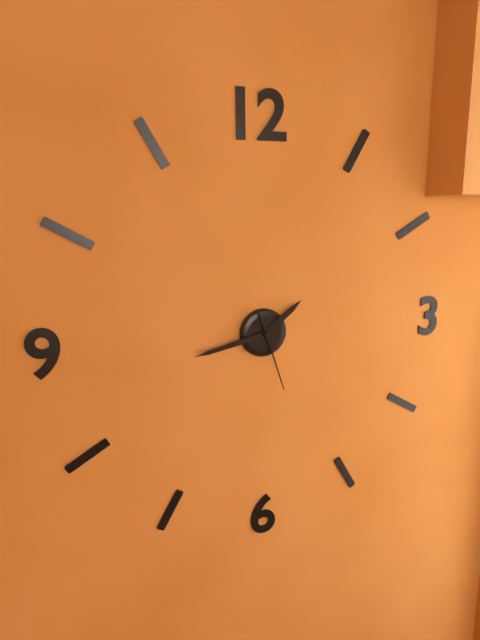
1,43,27
